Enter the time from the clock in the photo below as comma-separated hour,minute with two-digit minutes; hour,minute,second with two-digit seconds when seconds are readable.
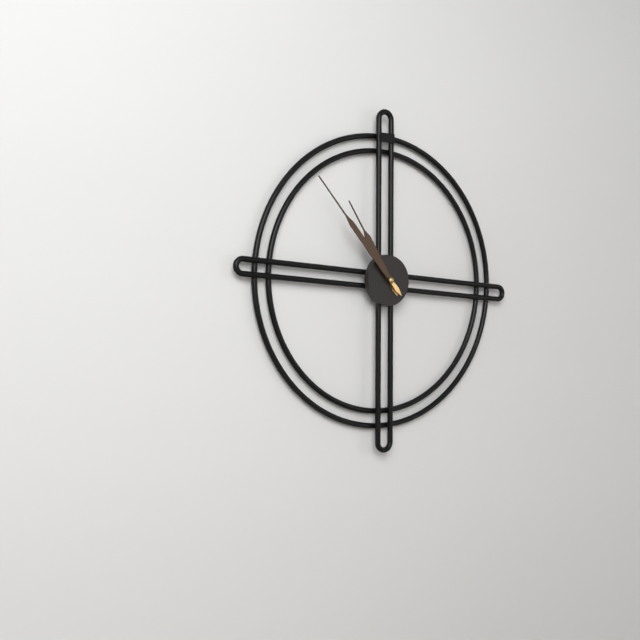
10,53
